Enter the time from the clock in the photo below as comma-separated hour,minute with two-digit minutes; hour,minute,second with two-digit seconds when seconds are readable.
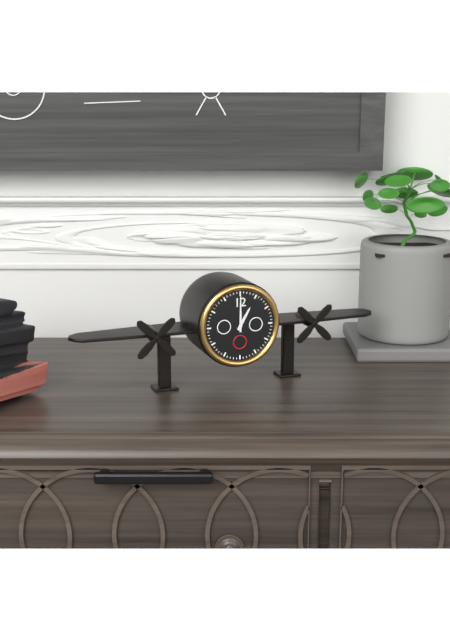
1,00
